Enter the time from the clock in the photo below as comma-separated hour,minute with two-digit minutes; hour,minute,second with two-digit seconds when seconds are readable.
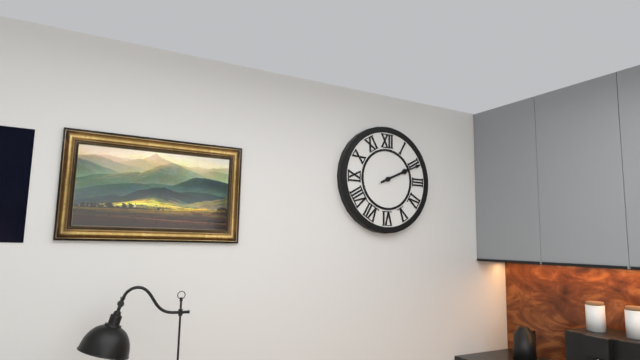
2,11
